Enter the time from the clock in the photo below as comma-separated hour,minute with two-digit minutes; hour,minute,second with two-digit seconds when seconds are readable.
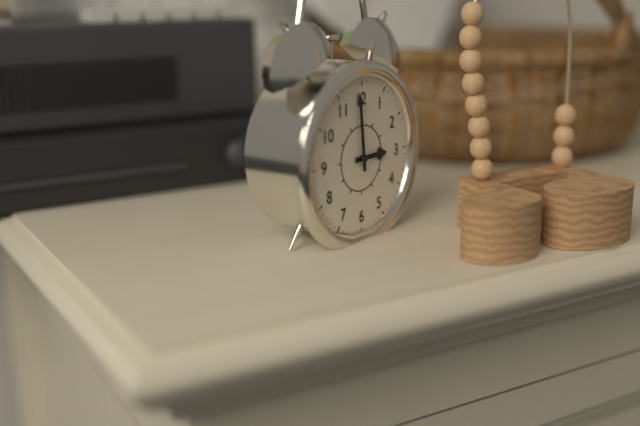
2,59
